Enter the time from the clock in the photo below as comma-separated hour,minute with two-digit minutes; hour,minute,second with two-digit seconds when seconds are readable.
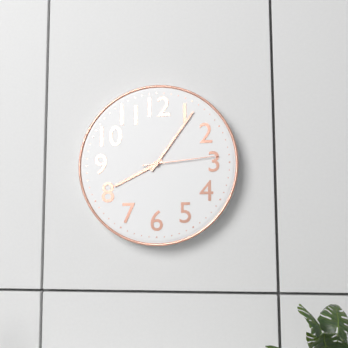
8,06,14
